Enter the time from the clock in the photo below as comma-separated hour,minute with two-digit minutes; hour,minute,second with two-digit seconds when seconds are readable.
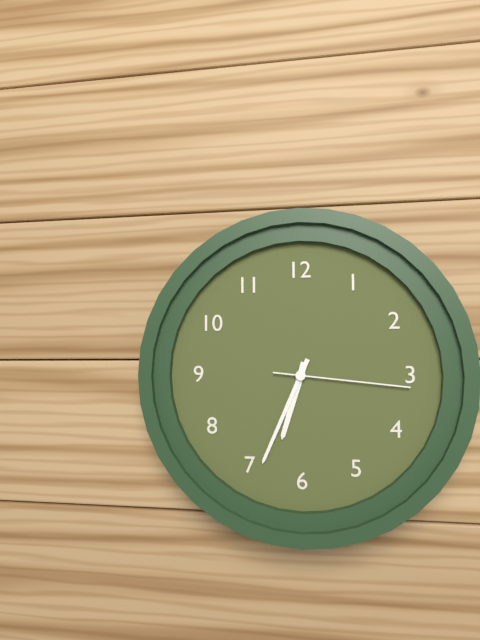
6,34,16
